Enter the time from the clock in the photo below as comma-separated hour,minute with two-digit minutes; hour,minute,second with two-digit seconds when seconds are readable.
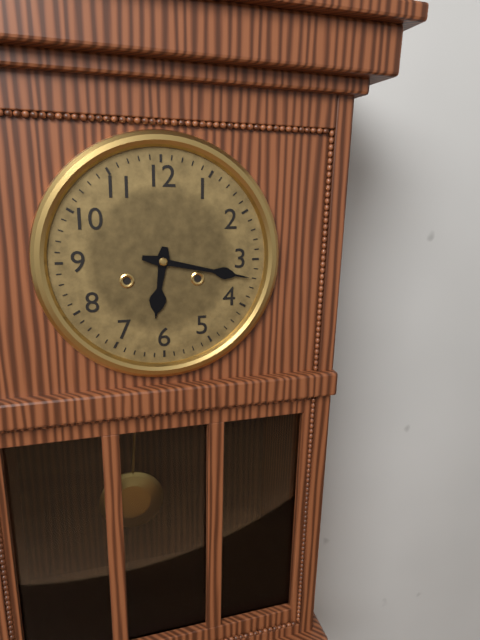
6,17
